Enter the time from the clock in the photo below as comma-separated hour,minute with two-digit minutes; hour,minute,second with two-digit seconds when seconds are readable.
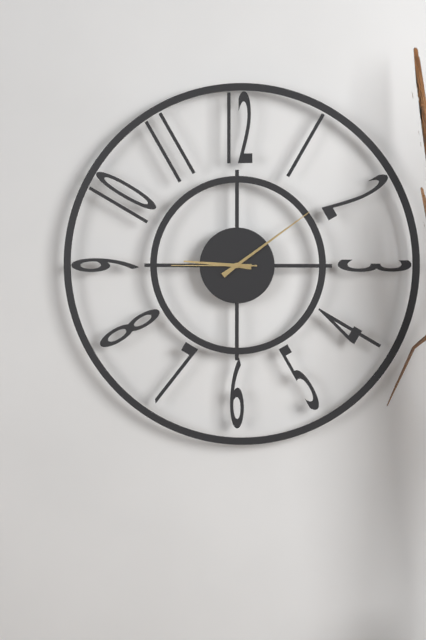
9,09,45
